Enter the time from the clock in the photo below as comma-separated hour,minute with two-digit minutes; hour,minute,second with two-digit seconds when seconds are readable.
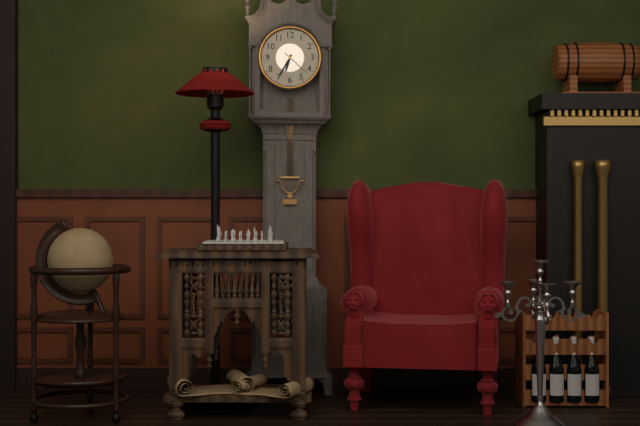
6,35
